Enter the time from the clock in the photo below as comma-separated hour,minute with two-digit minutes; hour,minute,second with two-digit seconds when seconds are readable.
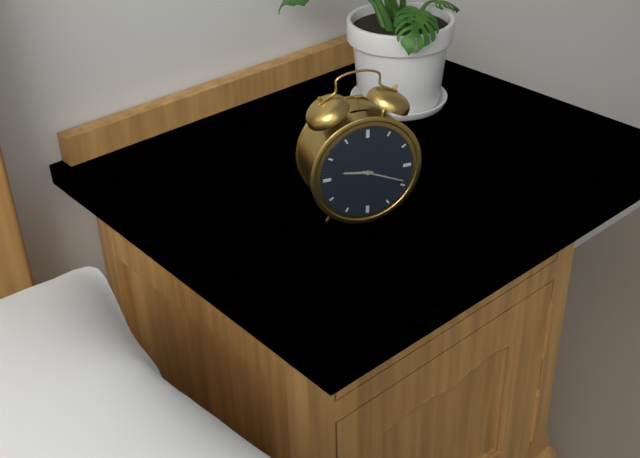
9,19
